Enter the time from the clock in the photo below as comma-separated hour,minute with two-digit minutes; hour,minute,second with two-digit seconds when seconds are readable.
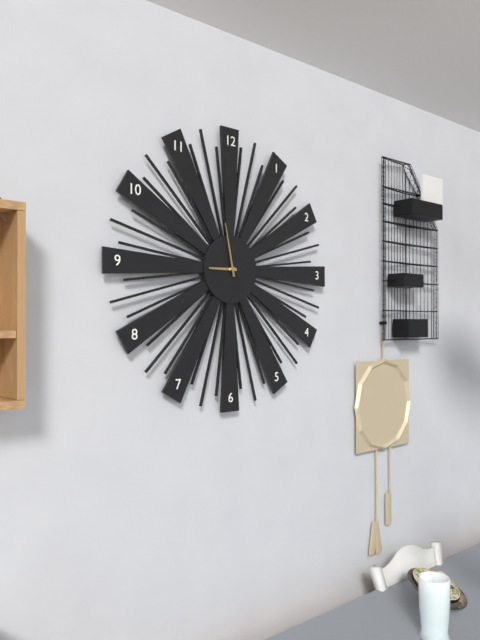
8,58
